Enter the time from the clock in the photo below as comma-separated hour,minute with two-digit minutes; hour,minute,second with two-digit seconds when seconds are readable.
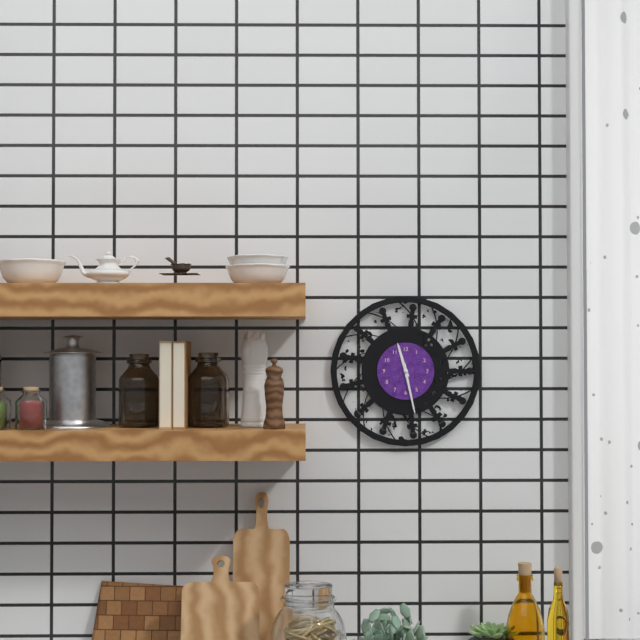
11,28
